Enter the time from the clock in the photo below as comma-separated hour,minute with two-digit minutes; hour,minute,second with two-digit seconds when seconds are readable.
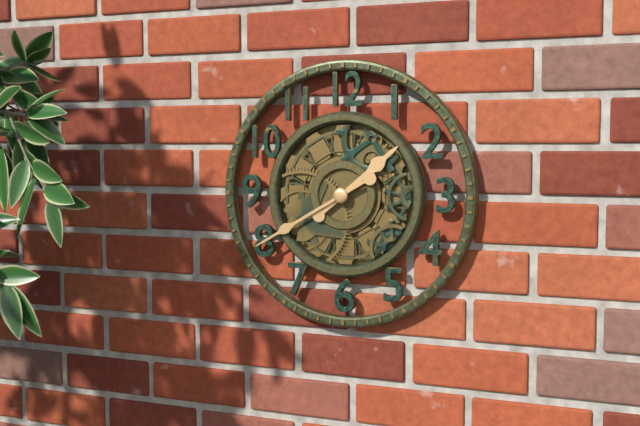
1,40
